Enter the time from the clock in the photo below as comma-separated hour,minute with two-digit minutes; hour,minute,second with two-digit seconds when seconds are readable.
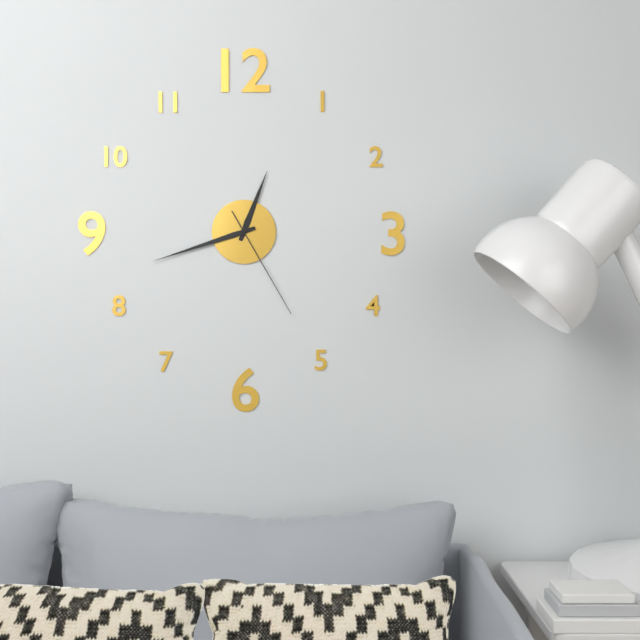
12,42,25
